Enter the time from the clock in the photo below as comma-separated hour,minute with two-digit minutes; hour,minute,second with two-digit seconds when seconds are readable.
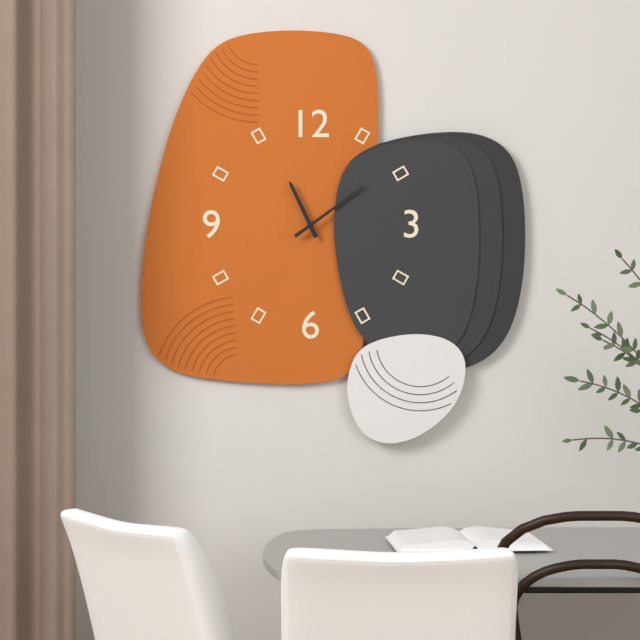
11,09
